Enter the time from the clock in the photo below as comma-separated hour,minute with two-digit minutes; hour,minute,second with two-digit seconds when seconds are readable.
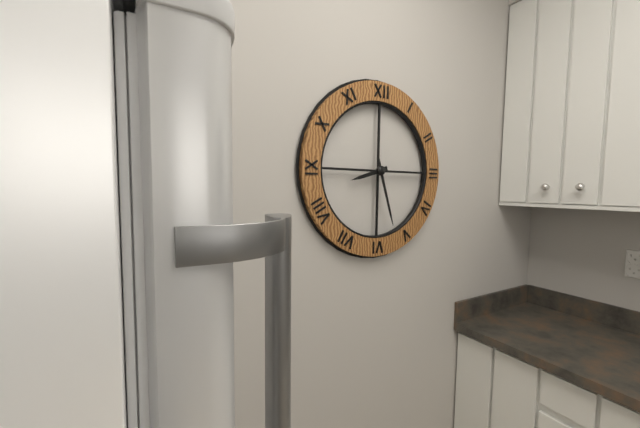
8,27
